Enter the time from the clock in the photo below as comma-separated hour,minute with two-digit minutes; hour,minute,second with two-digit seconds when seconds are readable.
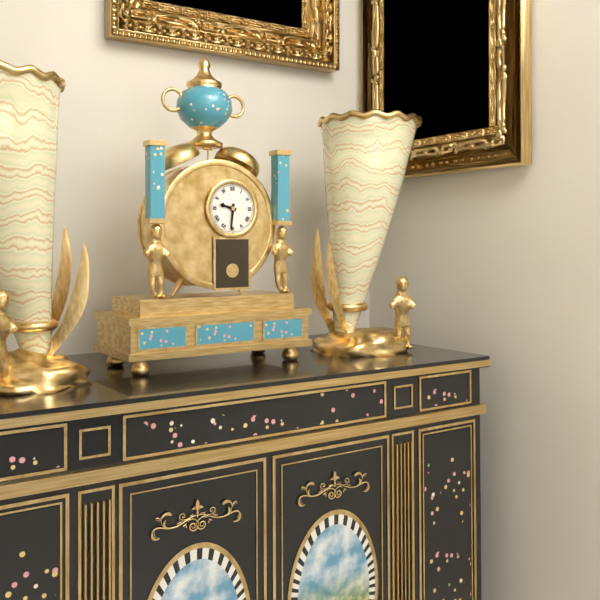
9,31
